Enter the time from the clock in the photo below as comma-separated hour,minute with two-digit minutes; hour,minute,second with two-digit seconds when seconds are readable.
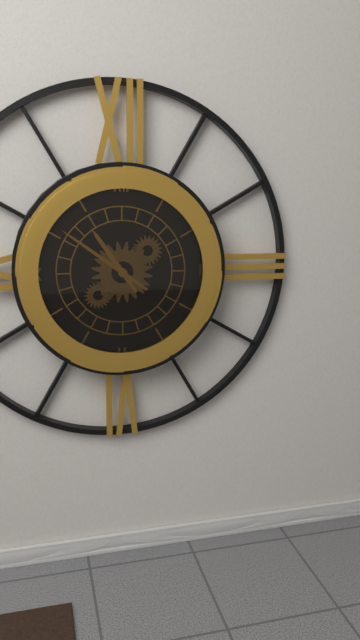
10,51
